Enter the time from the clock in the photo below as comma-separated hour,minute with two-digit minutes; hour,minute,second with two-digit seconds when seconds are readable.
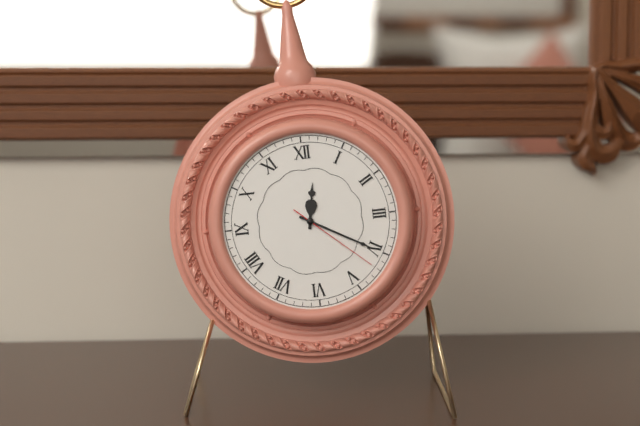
12,20,22
